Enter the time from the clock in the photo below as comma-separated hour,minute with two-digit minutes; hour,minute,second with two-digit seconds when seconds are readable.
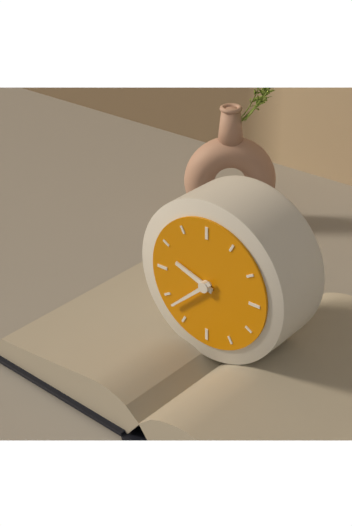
9,38
